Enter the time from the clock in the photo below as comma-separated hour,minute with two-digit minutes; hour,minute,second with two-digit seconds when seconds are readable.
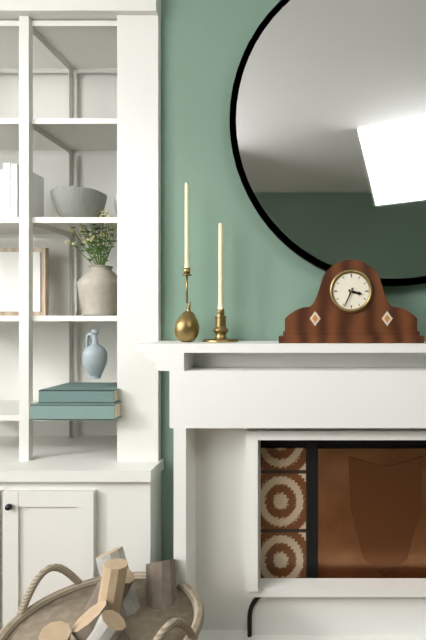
3,34
